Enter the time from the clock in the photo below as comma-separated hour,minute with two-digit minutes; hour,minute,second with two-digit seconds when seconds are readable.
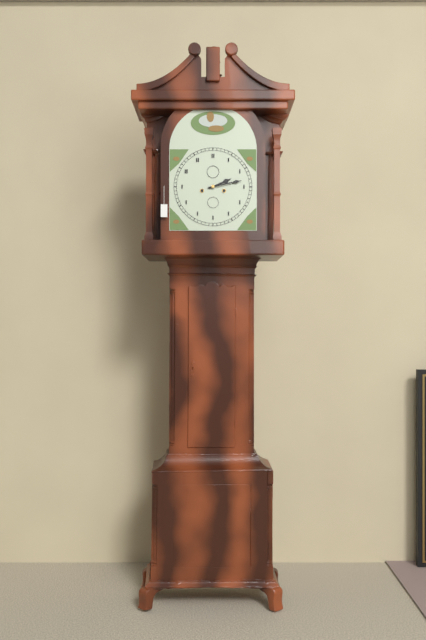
2,13
